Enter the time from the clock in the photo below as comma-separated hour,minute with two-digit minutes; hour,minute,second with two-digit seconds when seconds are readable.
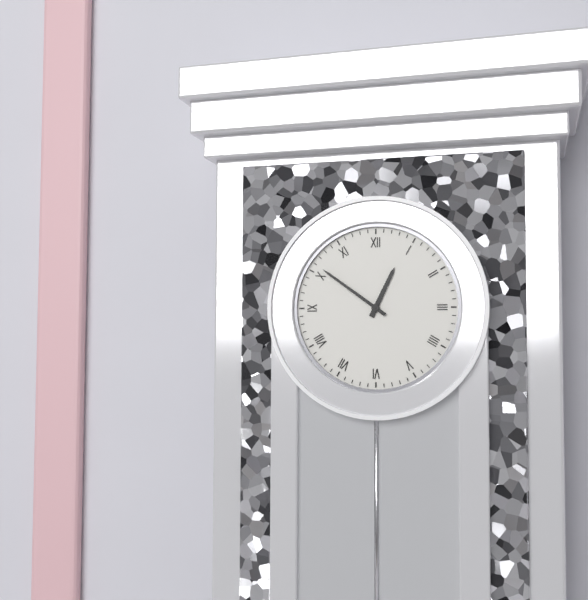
12,51
